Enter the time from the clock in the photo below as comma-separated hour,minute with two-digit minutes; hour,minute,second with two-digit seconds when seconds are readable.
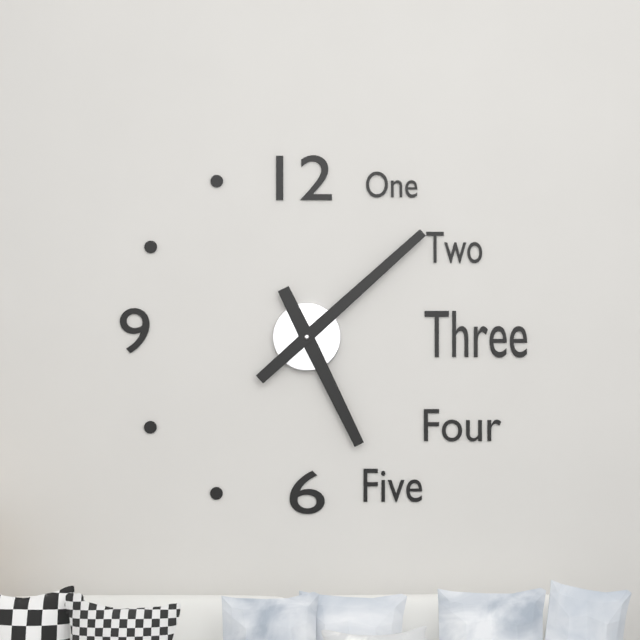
5,08
